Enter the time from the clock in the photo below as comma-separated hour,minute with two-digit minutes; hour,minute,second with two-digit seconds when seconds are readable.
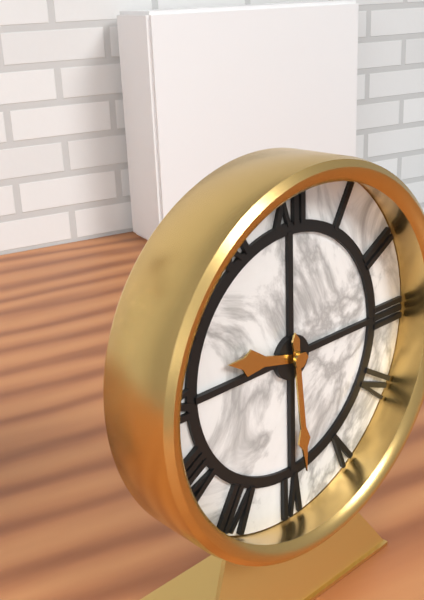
9,29
